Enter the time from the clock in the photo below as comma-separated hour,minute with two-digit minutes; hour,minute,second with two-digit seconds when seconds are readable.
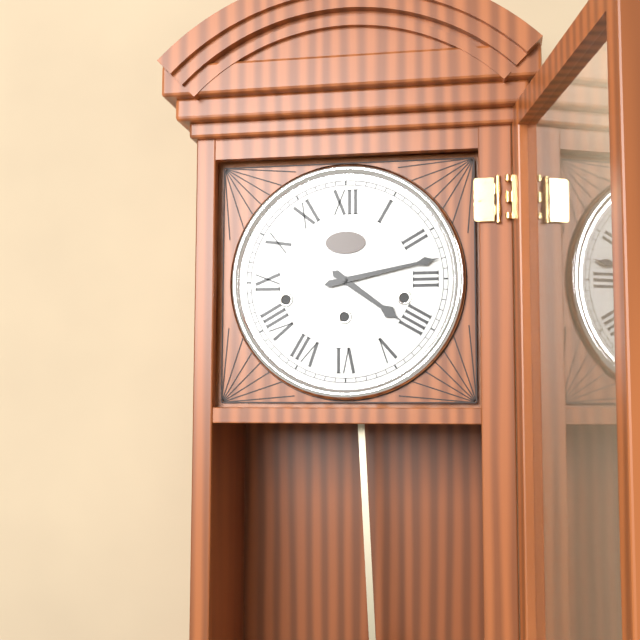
4,13
